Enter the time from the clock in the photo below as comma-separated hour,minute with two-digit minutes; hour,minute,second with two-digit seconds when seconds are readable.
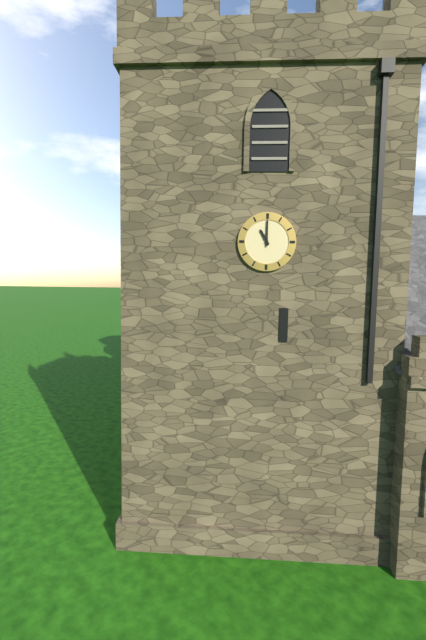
11,00
